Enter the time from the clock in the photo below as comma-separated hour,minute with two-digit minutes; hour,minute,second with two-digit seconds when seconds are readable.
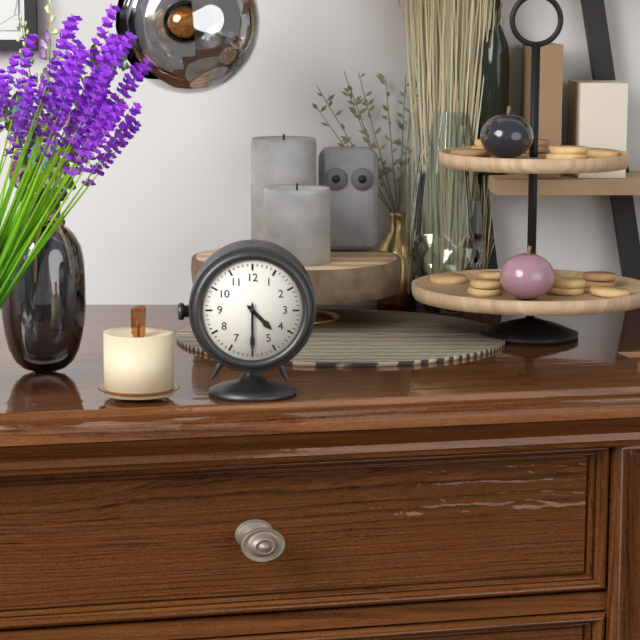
4,30
